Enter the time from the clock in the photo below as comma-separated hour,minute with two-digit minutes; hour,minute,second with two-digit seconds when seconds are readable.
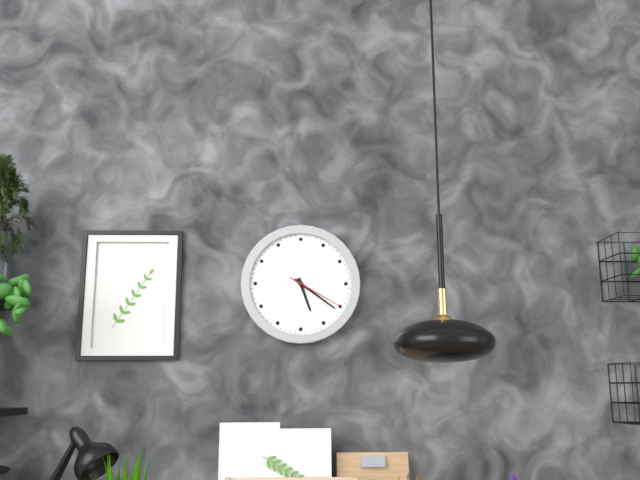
5,21,20
